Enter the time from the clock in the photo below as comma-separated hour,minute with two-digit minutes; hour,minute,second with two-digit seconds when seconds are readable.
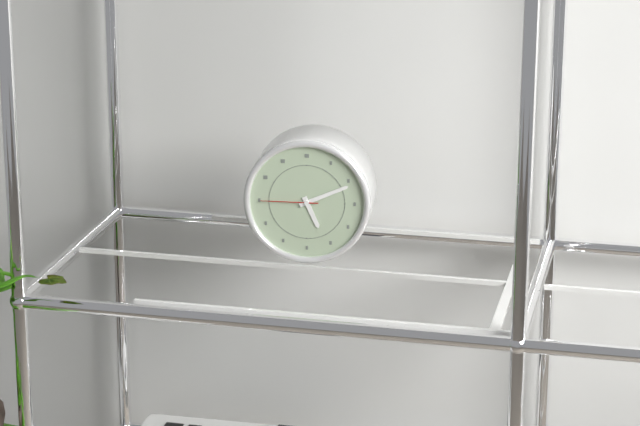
5,11,45
